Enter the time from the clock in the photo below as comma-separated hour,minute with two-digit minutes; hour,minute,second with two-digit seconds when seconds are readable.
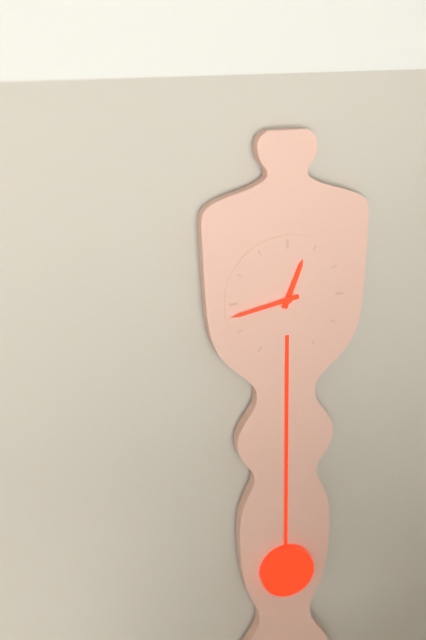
12,43
